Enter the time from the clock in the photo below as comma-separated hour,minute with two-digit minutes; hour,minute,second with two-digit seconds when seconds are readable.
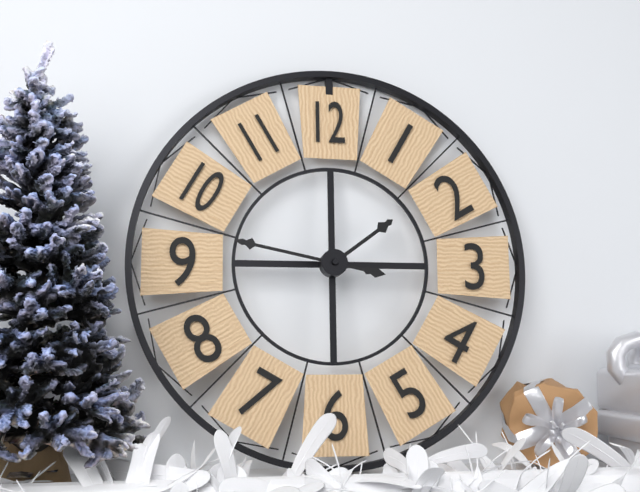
1,47
